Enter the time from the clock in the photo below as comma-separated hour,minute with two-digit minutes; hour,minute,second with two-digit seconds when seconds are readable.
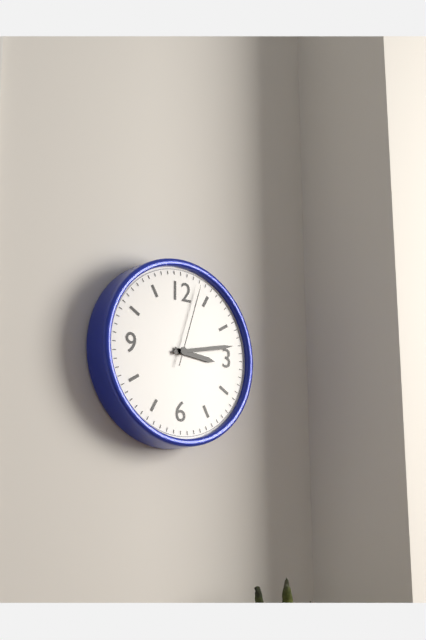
3,13,03
